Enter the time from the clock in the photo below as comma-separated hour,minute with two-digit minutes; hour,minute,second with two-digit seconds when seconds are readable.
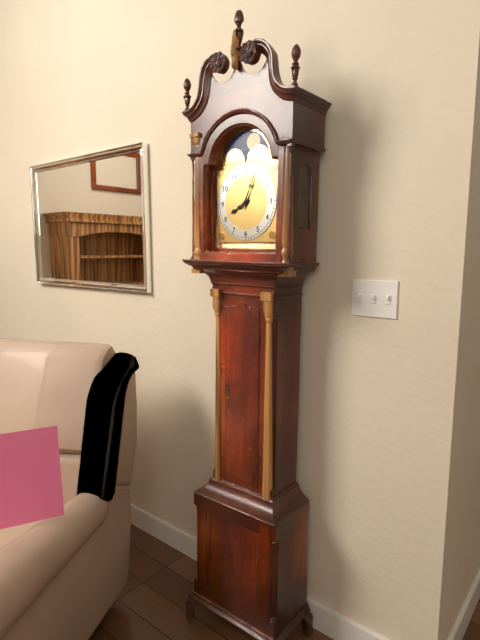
8,04
